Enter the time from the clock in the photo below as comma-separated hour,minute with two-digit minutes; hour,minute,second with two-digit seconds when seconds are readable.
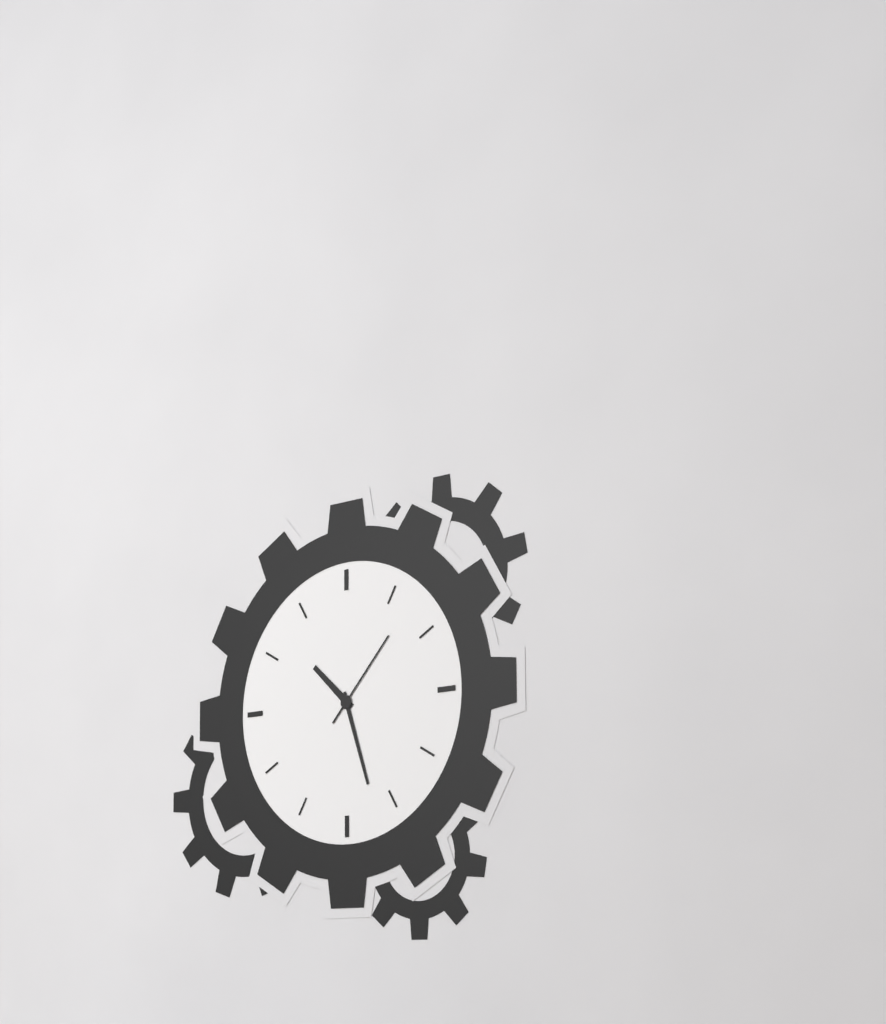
10,27,07
